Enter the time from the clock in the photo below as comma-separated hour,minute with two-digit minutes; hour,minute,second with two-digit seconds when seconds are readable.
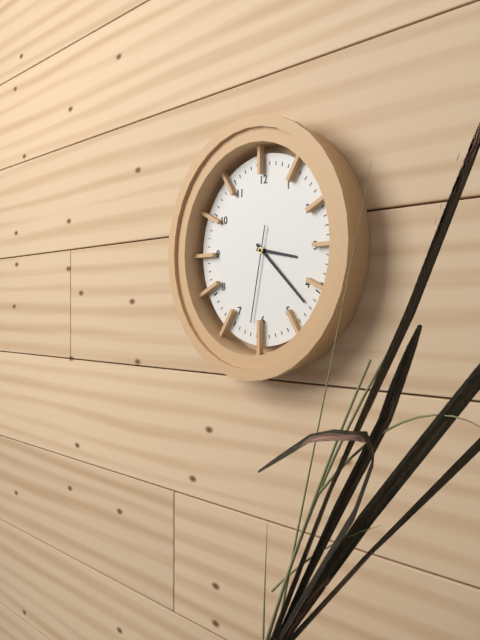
3,22,32
